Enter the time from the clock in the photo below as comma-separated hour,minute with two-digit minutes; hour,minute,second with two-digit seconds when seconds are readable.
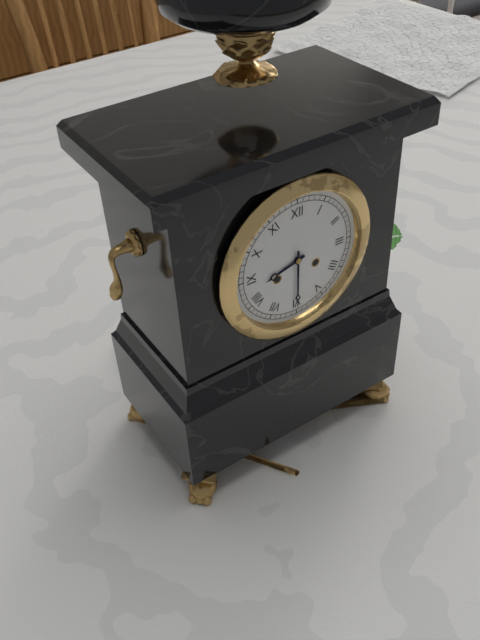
8,30
